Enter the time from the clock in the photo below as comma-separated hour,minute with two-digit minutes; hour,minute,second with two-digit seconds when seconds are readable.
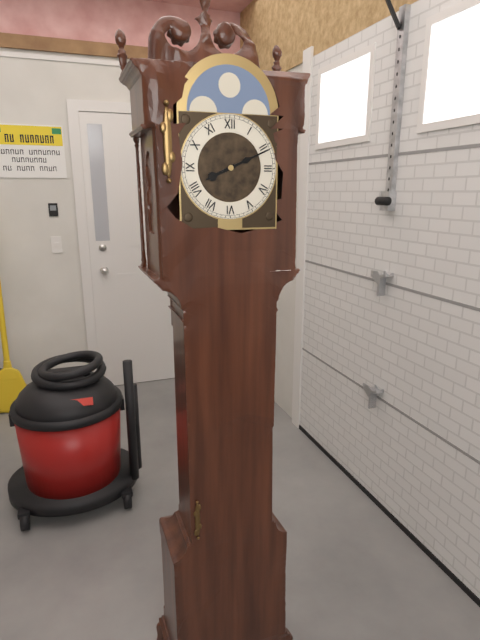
8,11
